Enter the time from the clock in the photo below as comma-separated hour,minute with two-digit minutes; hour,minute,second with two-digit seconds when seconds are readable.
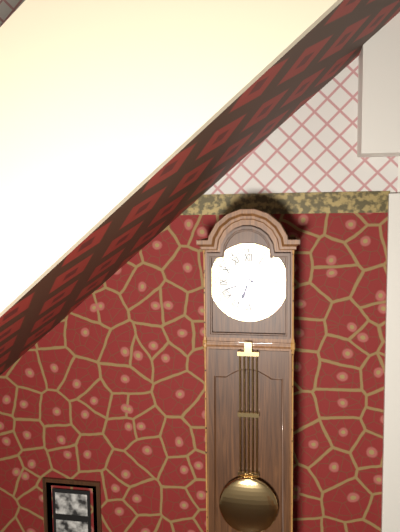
6,42
